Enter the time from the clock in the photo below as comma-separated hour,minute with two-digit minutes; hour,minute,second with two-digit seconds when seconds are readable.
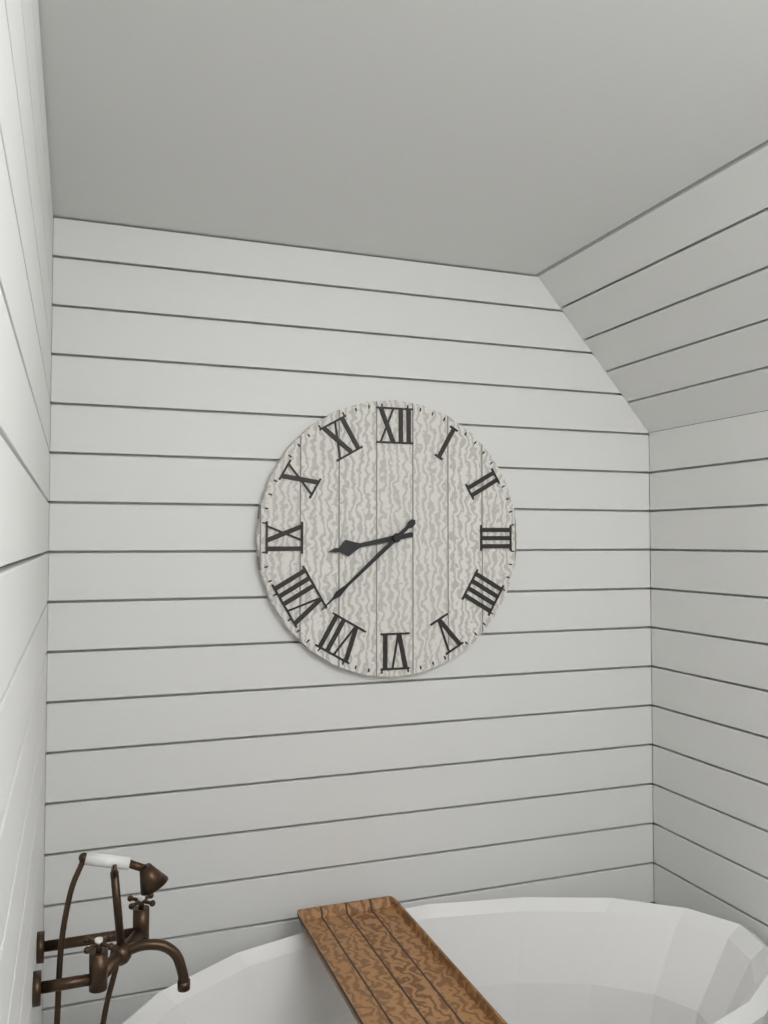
8,38
